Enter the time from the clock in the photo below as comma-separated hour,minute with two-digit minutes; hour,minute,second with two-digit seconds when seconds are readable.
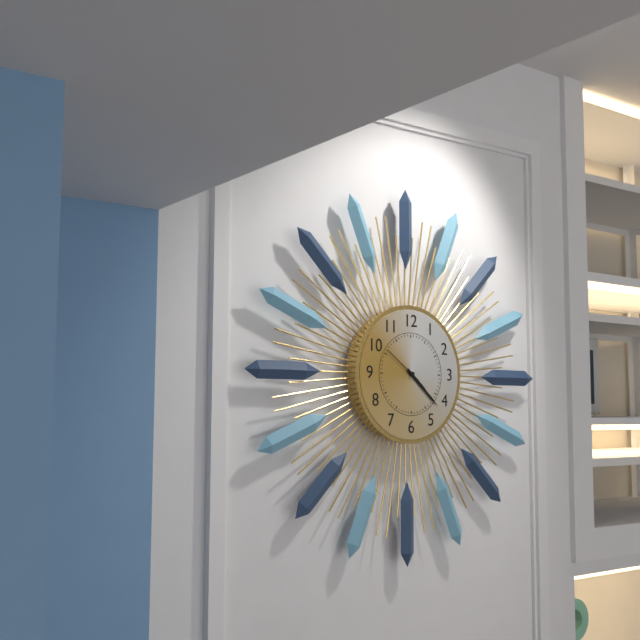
4,22
